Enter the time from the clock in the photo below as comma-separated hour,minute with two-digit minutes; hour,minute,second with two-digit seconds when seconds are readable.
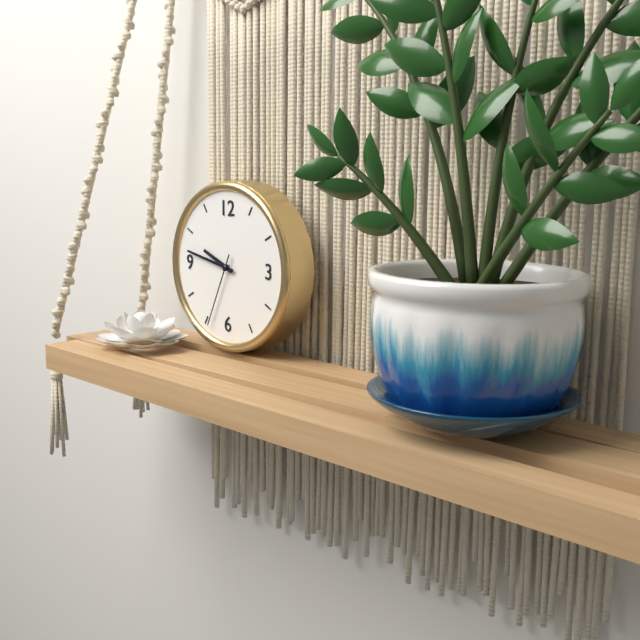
9,47,34
